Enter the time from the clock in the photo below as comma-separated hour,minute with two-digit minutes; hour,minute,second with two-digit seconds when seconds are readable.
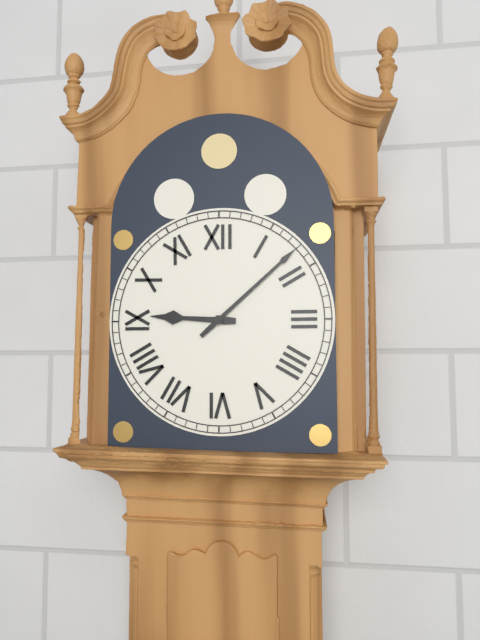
9,08
